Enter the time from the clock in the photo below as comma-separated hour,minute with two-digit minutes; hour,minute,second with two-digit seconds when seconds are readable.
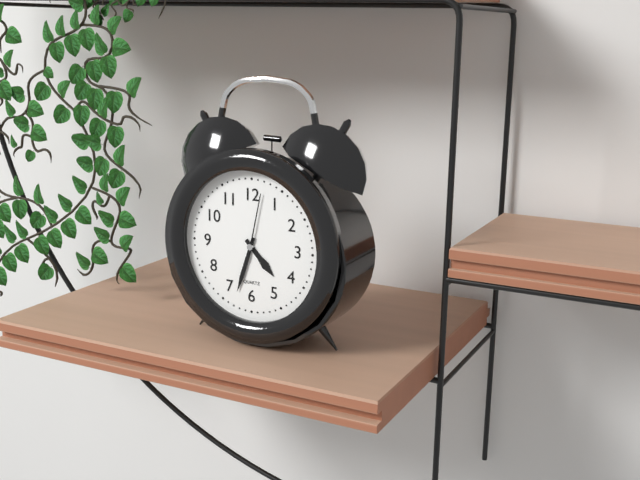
4,33,02
